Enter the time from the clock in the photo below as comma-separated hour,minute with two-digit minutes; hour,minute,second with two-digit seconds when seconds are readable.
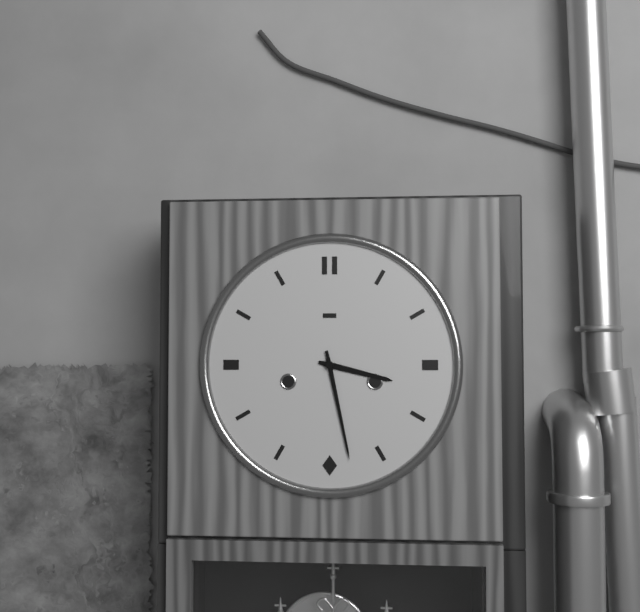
3,28
